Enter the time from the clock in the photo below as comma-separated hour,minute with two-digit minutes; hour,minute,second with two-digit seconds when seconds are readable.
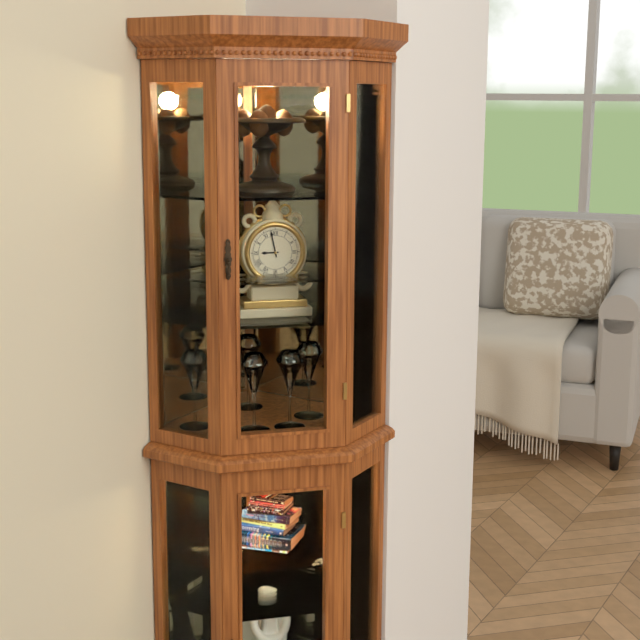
8,58
